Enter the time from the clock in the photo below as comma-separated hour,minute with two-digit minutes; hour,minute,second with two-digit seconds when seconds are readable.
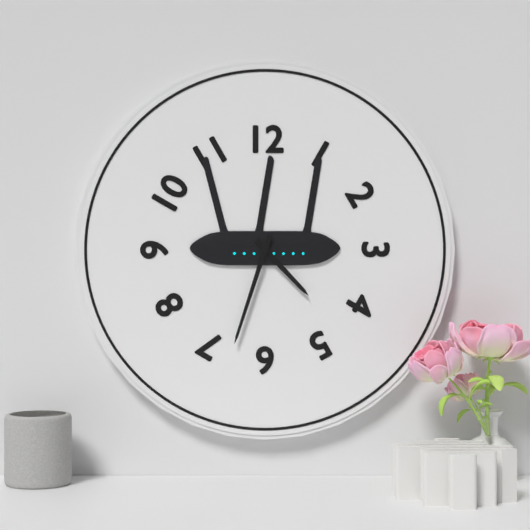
4,33
